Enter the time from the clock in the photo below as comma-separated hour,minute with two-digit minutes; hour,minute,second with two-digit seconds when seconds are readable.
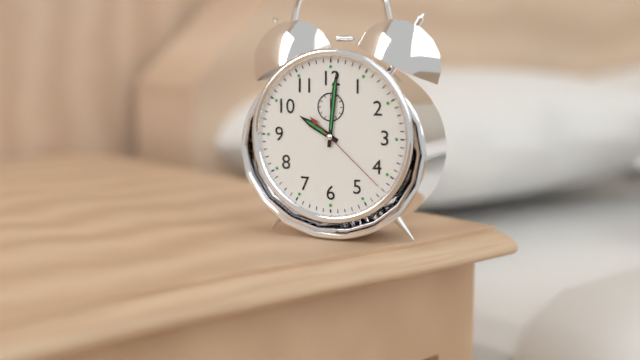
10,01,22
